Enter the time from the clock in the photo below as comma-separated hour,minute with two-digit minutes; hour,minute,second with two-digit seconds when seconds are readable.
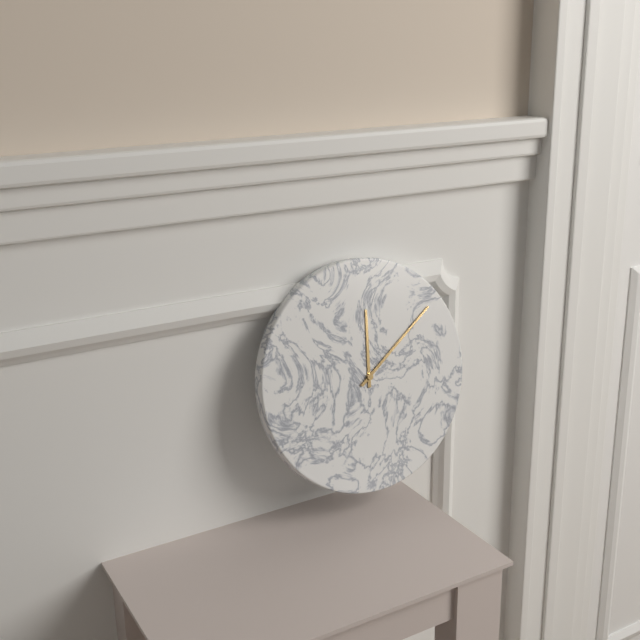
12,09
